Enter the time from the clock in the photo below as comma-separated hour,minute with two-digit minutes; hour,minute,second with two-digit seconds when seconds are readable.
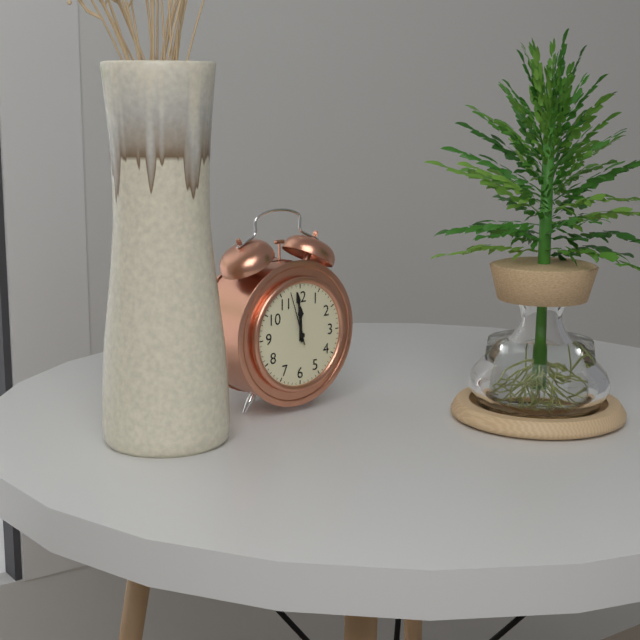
11,59,57
